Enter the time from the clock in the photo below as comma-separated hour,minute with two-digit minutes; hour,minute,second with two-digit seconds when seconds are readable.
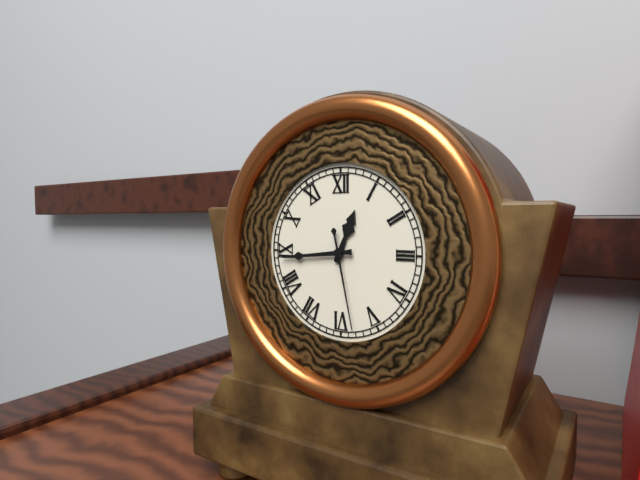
12,44,28
